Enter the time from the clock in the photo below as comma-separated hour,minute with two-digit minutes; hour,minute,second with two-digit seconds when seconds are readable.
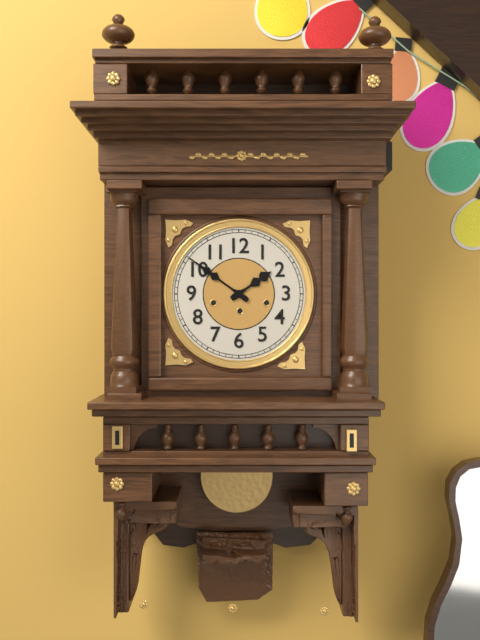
1,51
